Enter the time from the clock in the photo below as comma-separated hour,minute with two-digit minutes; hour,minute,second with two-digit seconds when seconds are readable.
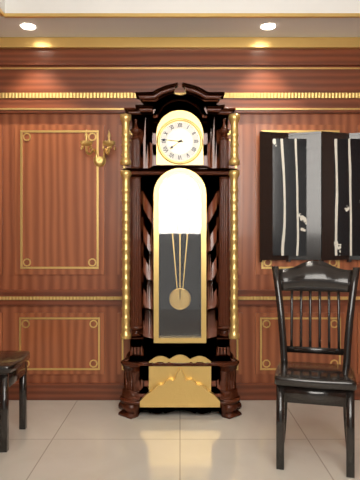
7,46
